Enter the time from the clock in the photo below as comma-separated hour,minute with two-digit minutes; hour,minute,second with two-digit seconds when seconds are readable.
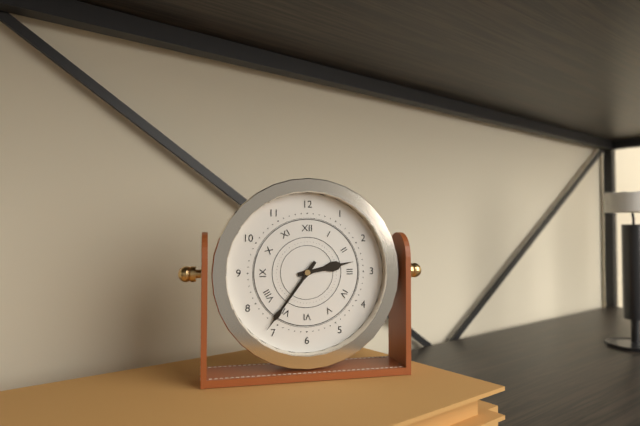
2,36
